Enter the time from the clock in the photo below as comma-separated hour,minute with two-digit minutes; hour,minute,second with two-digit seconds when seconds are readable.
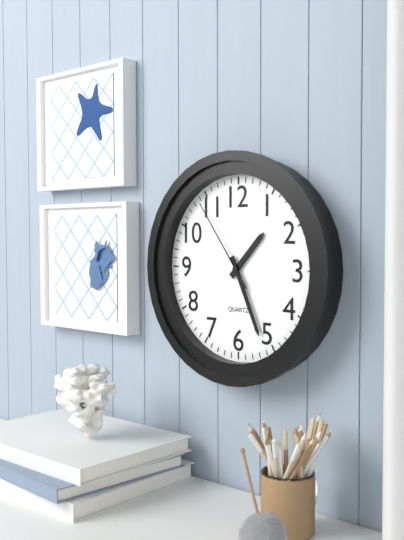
1,26,54
